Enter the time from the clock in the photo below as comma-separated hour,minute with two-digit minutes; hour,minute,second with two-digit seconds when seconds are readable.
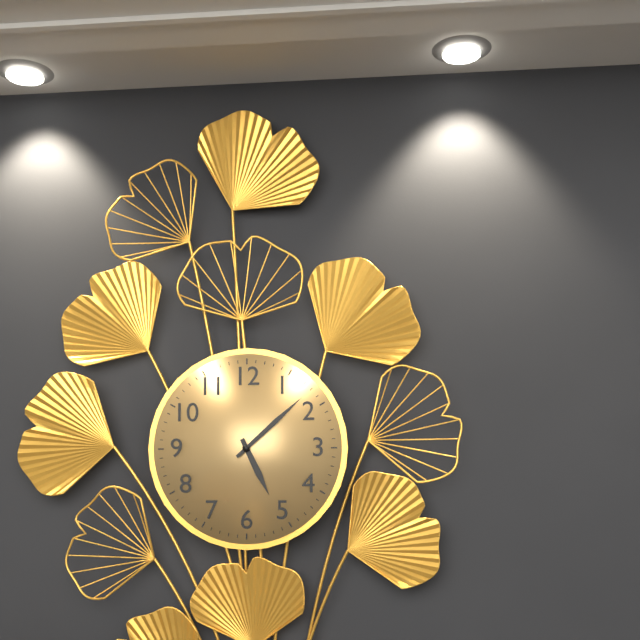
5,08
